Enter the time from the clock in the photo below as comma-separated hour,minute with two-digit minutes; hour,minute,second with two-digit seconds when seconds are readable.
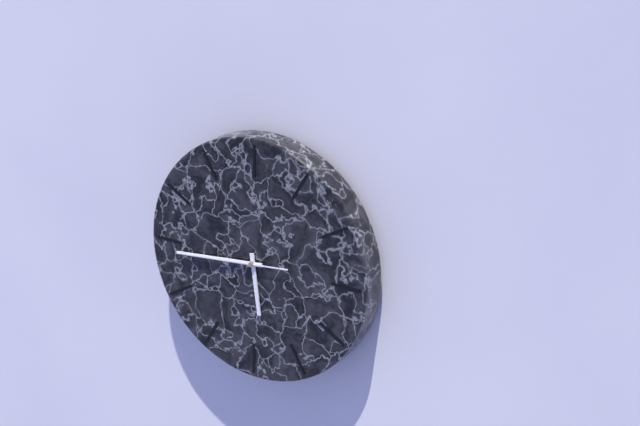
5,44,44
